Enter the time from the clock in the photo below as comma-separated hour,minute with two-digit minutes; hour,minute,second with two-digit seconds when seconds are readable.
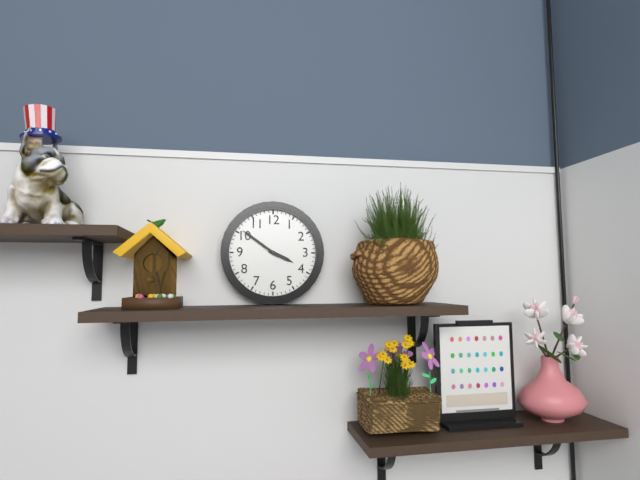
3,51
